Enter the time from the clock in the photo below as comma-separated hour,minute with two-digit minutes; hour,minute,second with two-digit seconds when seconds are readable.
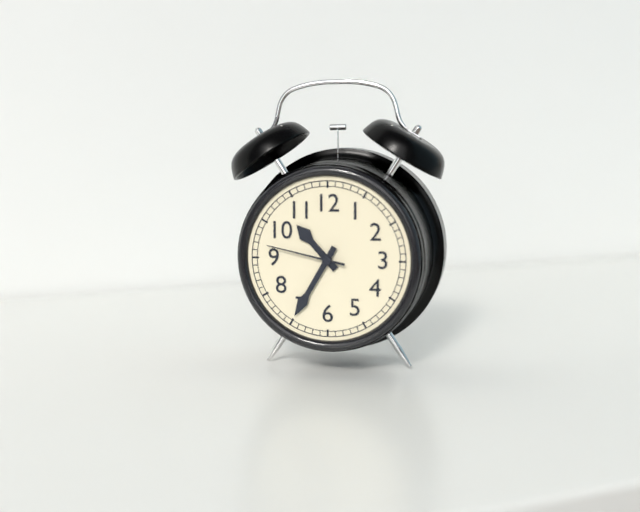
10,35,47
